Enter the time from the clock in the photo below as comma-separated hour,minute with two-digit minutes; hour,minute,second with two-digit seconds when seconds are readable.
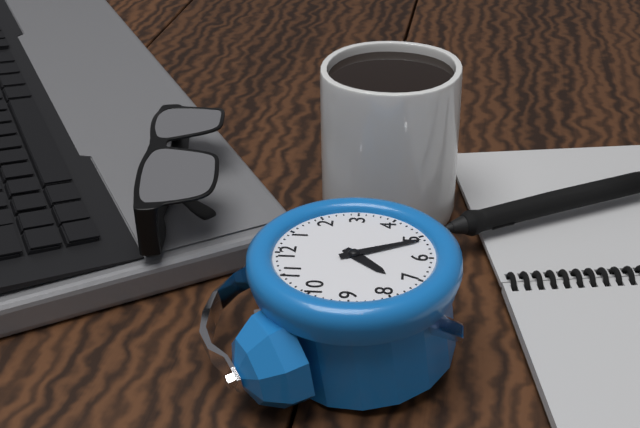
7,26
